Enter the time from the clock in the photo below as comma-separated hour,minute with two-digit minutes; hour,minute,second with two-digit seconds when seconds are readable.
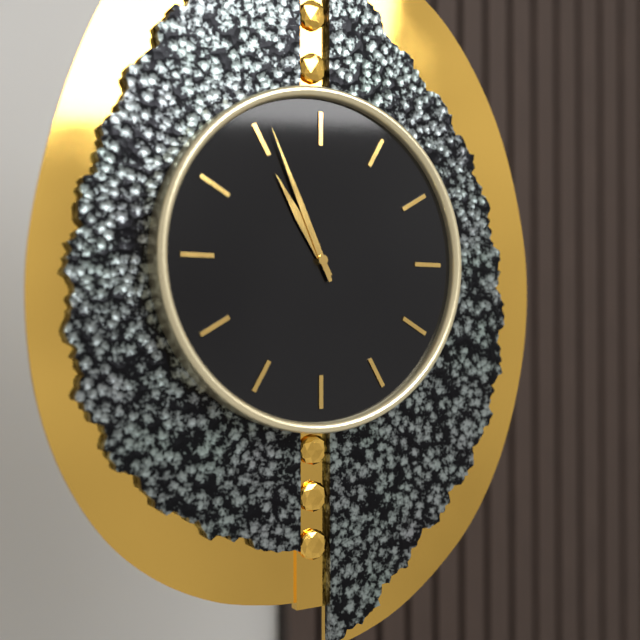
10,56
